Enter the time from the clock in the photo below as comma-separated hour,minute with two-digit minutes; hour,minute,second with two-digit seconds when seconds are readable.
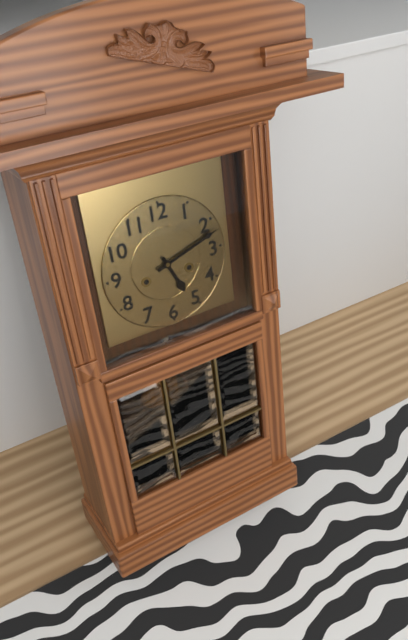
5,12
